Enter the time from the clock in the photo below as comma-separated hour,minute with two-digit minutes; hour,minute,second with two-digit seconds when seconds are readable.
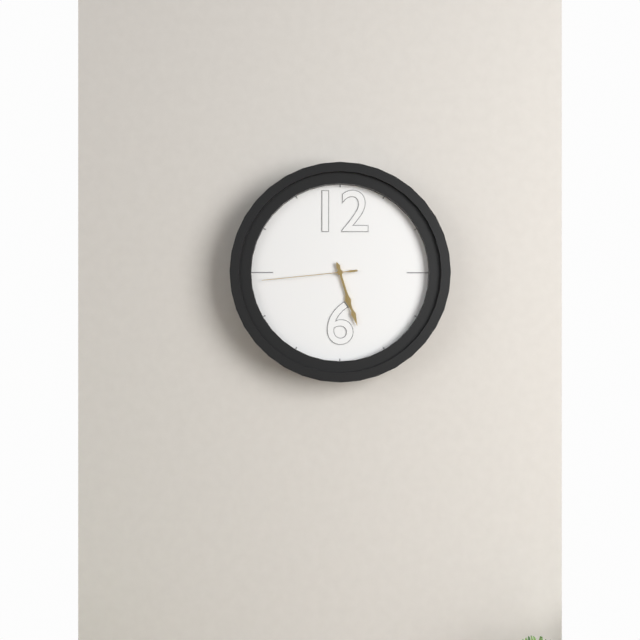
5,27,44
